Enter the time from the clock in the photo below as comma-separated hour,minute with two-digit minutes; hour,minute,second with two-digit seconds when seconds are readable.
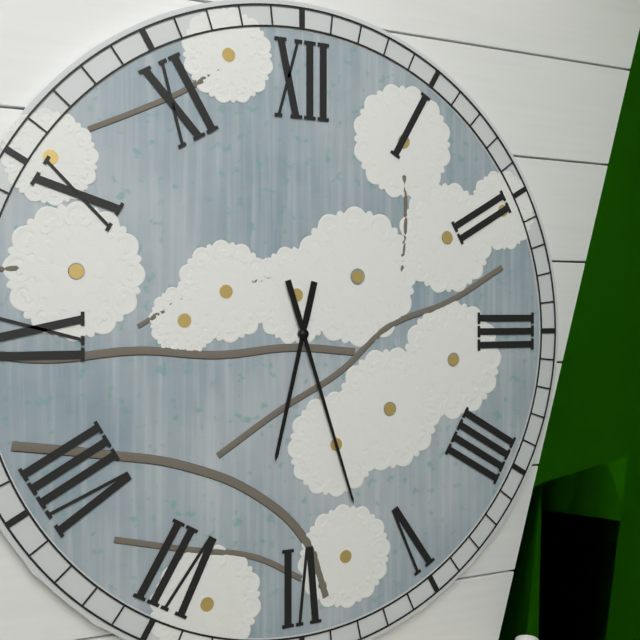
6,27
